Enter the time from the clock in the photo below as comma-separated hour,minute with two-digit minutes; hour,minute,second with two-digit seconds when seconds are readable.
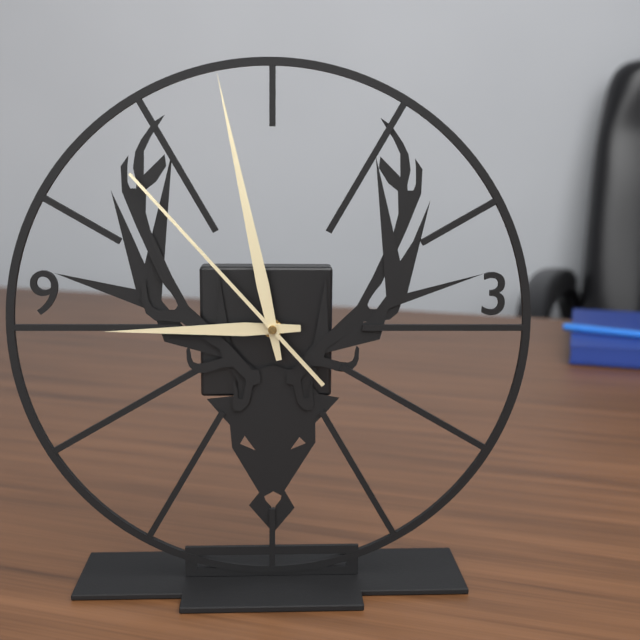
8,58,53
